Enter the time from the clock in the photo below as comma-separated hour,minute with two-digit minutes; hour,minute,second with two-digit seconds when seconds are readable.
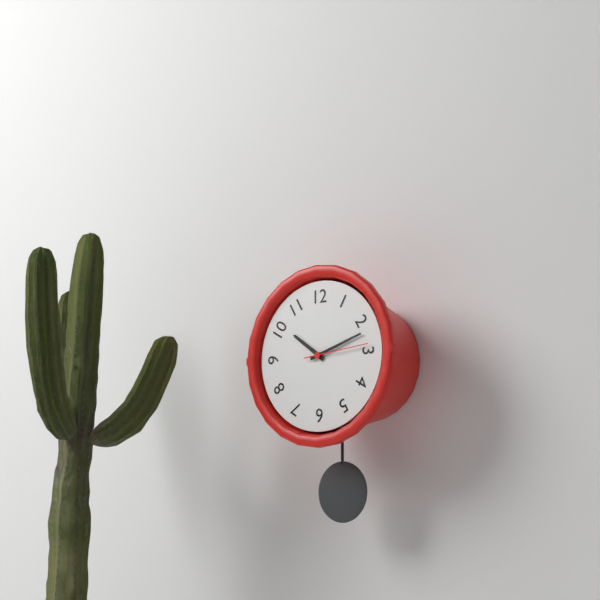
10,12,14
